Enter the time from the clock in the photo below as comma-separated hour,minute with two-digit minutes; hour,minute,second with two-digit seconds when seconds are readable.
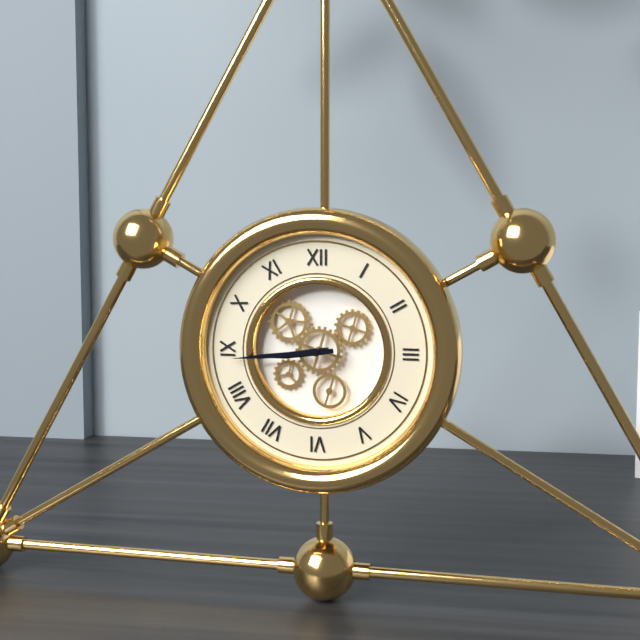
8,44
